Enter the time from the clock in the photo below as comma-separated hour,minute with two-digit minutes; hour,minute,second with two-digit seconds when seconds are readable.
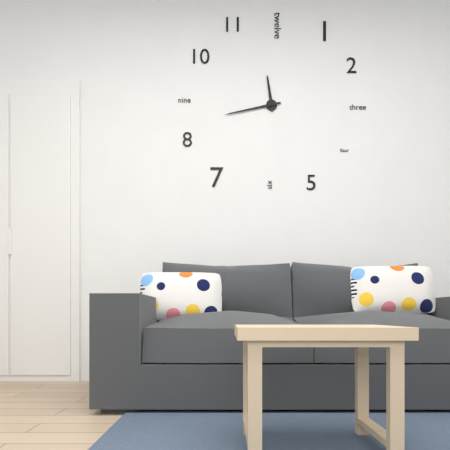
11,43
